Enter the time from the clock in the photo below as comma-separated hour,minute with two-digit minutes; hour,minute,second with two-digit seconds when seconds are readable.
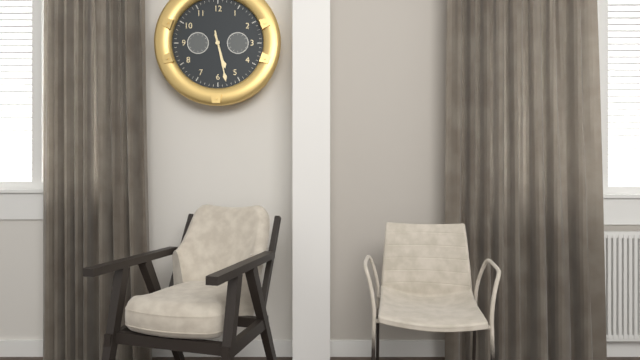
5,28
